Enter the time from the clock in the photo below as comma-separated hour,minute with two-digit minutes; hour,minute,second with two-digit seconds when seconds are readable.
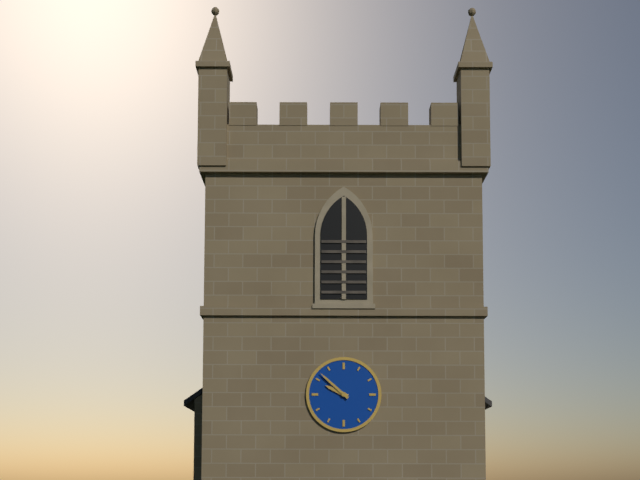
9,52
